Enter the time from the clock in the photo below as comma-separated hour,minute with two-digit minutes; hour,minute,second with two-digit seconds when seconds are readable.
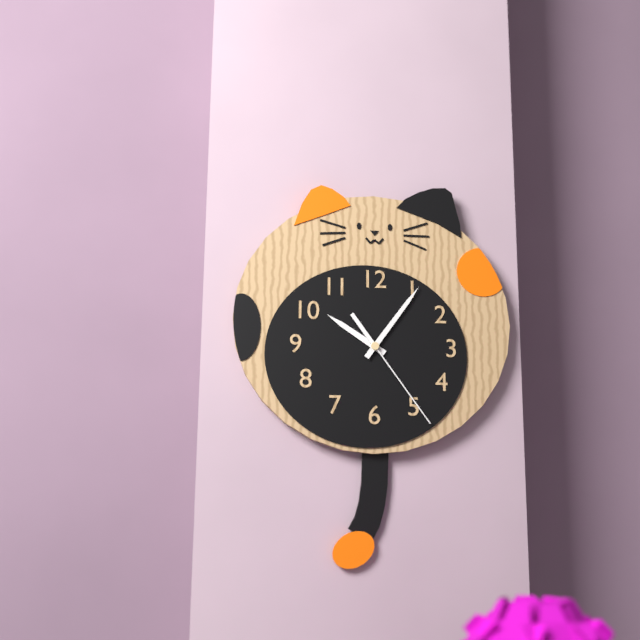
10,06,24
